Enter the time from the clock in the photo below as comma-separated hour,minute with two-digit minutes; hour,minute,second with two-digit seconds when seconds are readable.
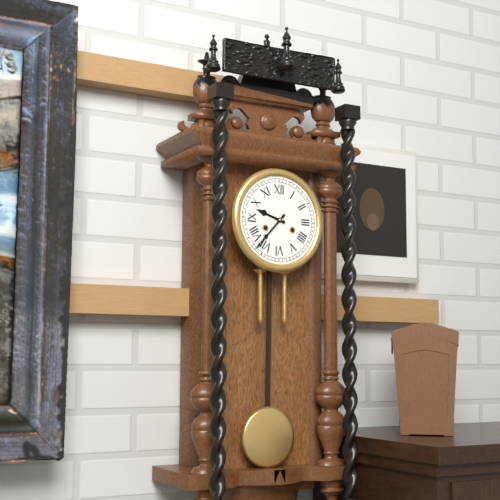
9,37
